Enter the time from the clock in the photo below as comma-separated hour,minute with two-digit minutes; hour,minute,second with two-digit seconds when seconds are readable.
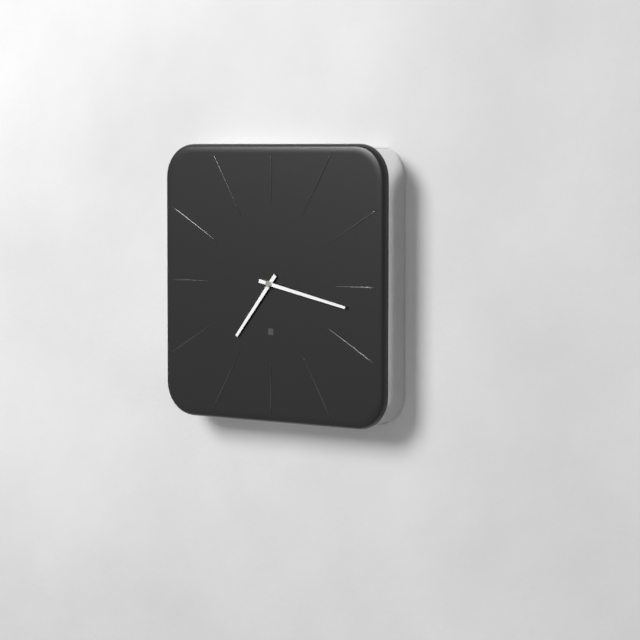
7,17
